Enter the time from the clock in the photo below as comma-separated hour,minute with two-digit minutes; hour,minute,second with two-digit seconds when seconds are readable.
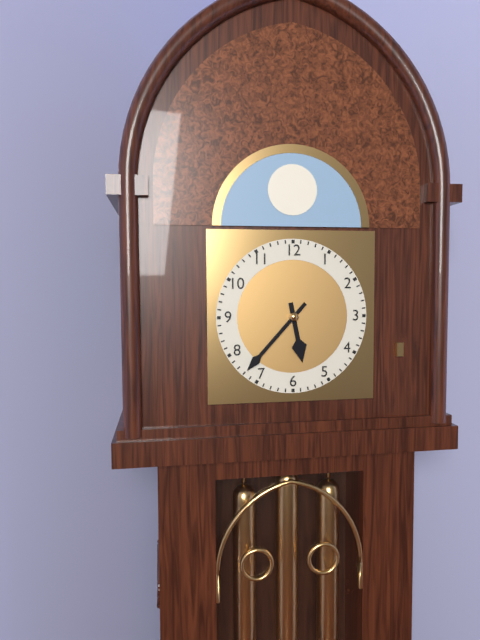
5,37
